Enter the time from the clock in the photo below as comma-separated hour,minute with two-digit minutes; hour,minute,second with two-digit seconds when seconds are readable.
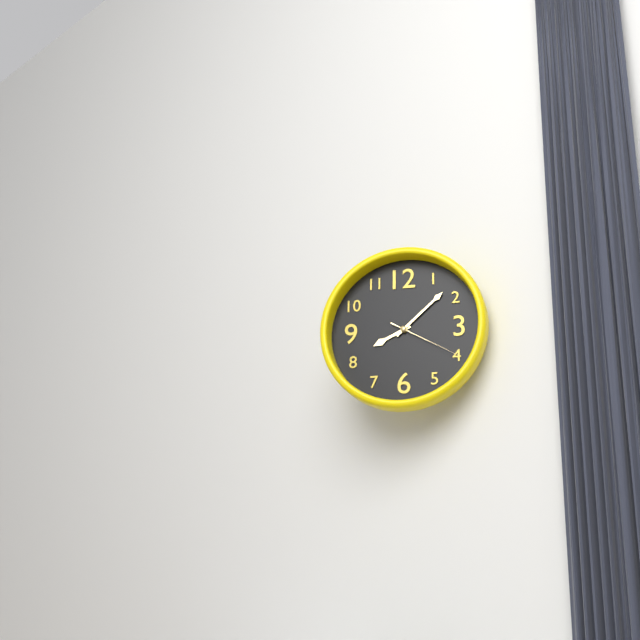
8,08,20
